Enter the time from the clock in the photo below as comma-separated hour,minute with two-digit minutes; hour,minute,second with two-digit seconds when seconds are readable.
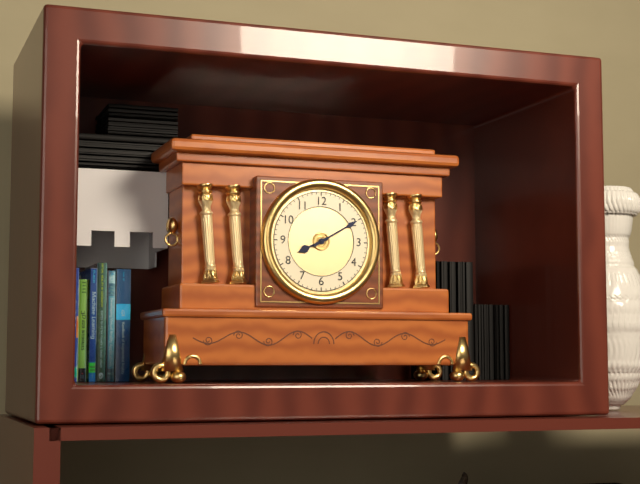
8,10
